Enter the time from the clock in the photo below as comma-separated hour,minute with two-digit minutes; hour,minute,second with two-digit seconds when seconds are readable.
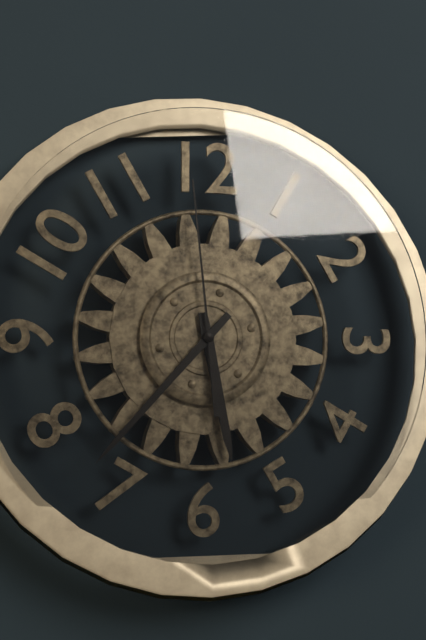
5,37,59
